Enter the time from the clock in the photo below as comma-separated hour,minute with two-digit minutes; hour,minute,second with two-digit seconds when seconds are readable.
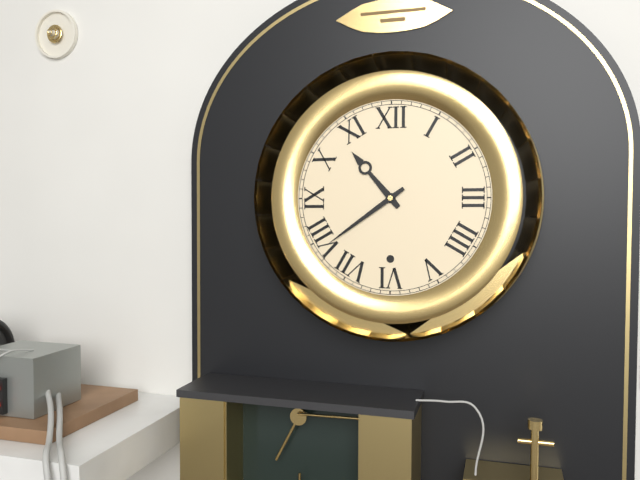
10,39
